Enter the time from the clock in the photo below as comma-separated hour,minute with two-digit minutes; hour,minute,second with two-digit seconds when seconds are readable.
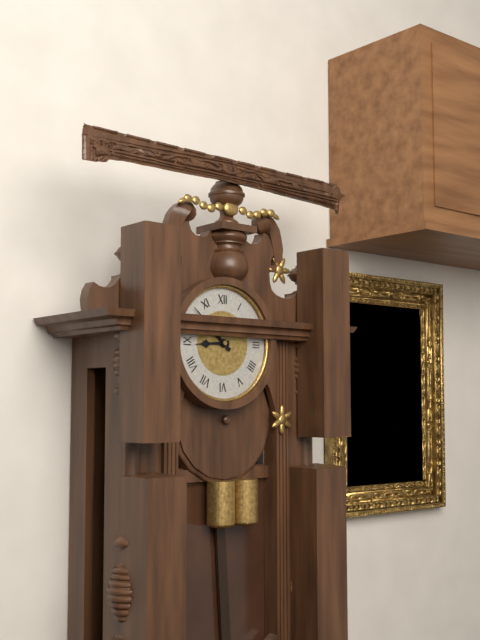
8,52
